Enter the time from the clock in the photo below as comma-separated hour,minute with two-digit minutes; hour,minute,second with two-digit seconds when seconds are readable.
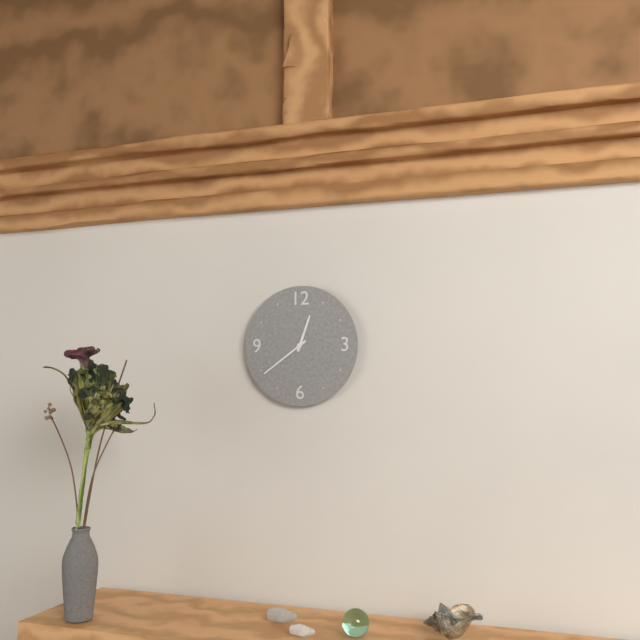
12,39
